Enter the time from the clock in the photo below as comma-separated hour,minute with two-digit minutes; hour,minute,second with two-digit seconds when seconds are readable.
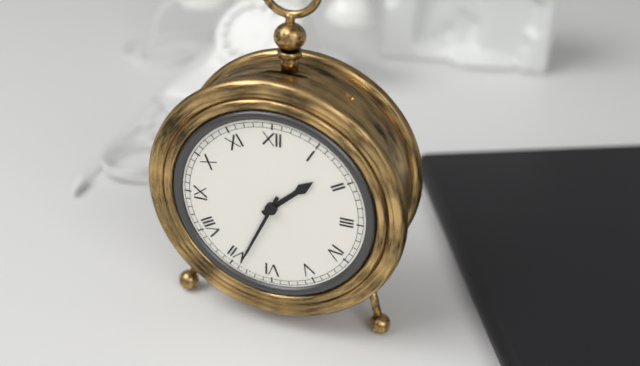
1,34
